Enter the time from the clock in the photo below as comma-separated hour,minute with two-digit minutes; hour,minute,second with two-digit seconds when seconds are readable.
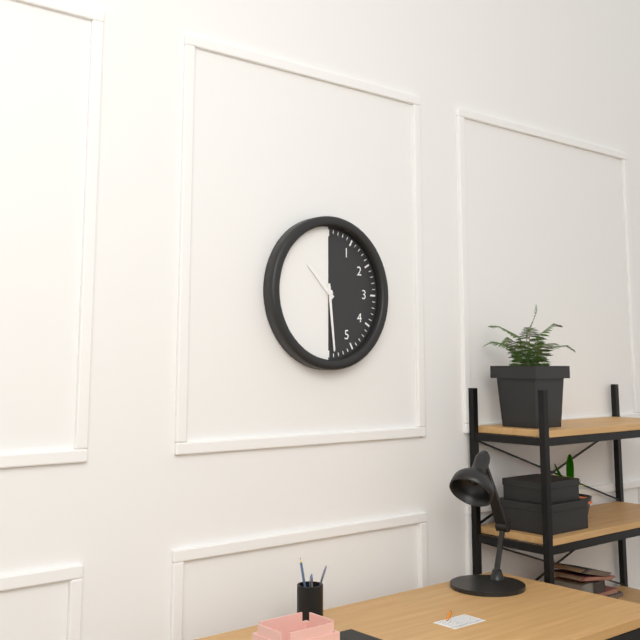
10,29
